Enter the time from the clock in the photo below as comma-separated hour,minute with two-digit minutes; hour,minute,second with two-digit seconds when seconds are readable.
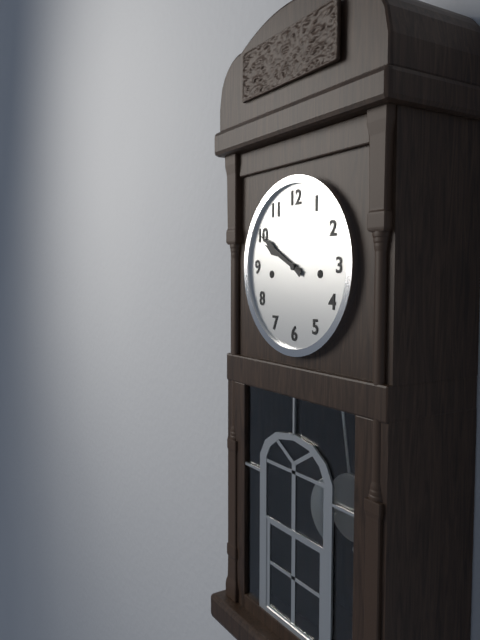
9,50
